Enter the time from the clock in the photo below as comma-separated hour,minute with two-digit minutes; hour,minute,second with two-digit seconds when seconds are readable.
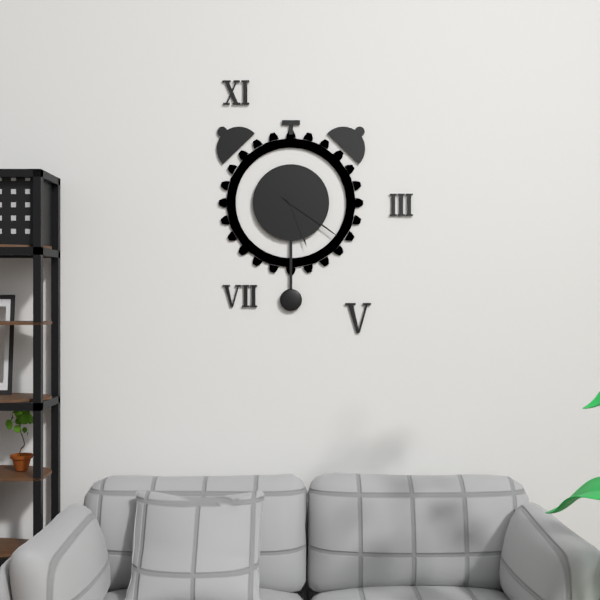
5,21
